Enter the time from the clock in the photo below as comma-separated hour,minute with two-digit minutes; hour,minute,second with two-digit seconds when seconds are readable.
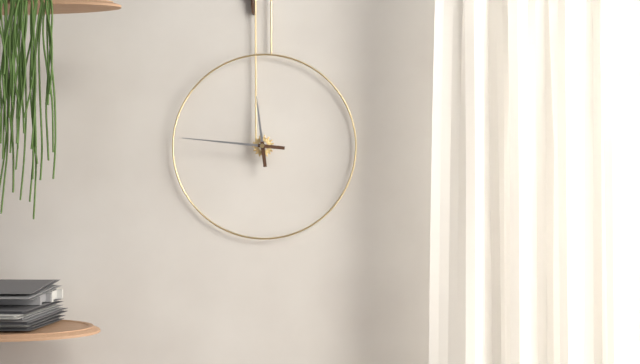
11,46
